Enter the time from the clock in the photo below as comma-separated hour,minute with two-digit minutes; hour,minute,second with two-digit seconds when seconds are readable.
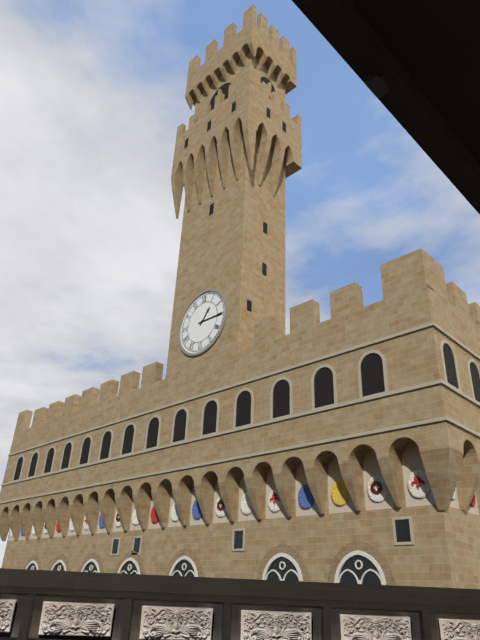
1,15
